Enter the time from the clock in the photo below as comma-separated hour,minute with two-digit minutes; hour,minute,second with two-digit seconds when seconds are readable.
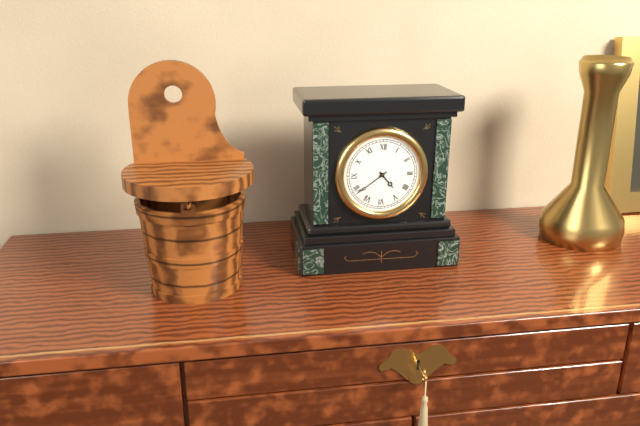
4,39
